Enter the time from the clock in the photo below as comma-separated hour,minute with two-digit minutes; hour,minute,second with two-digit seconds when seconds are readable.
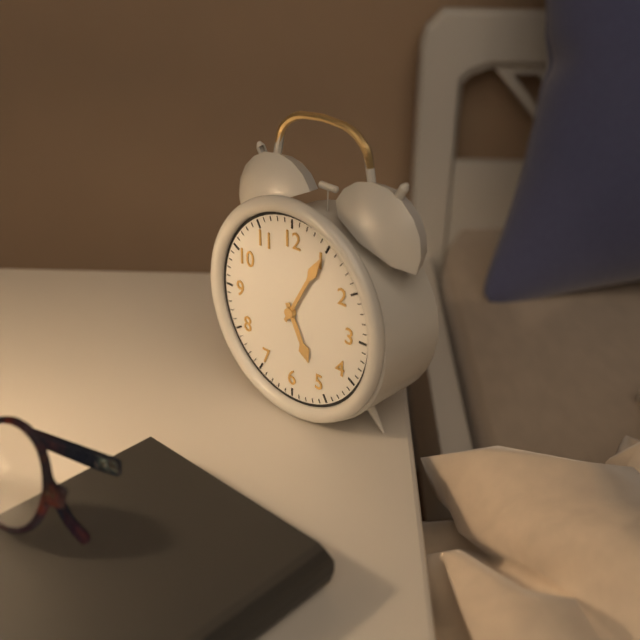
5,05
